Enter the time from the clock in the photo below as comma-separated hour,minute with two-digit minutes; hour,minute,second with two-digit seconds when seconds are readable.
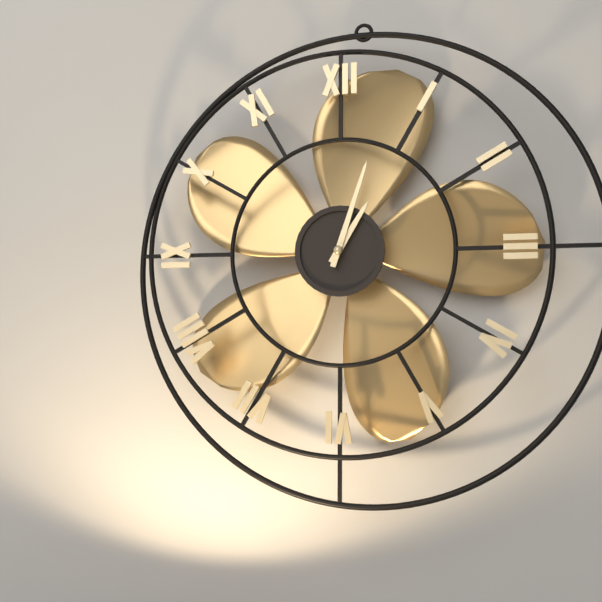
1,03
